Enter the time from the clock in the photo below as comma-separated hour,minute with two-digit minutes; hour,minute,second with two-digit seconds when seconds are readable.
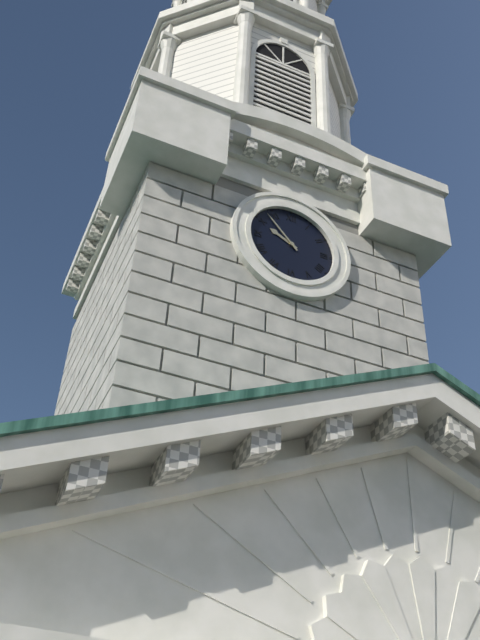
9,53
